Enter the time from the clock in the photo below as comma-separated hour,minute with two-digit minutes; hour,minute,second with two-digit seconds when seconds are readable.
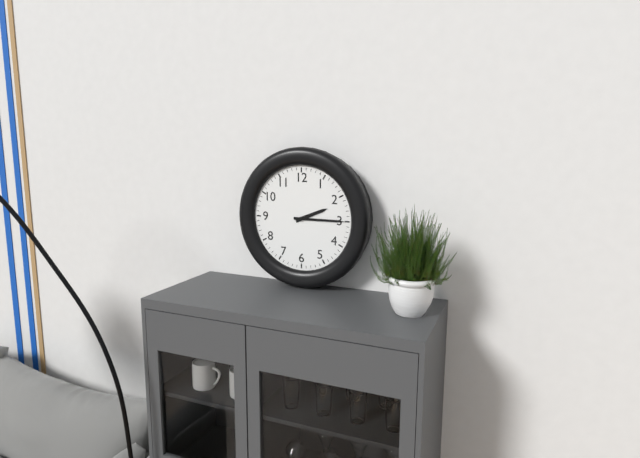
2,15
